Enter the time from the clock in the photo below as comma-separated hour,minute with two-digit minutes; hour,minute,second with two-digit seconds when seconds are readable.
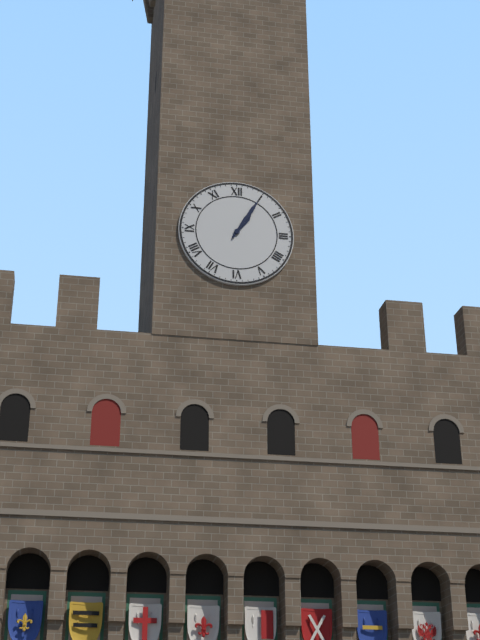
1,05
